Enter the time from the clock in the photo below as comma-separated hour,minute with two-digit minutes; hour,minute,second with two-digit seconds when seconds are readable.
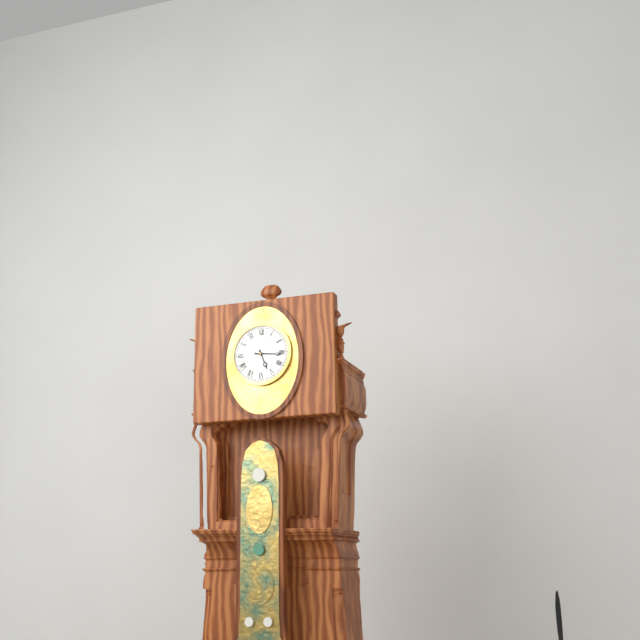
5,16
